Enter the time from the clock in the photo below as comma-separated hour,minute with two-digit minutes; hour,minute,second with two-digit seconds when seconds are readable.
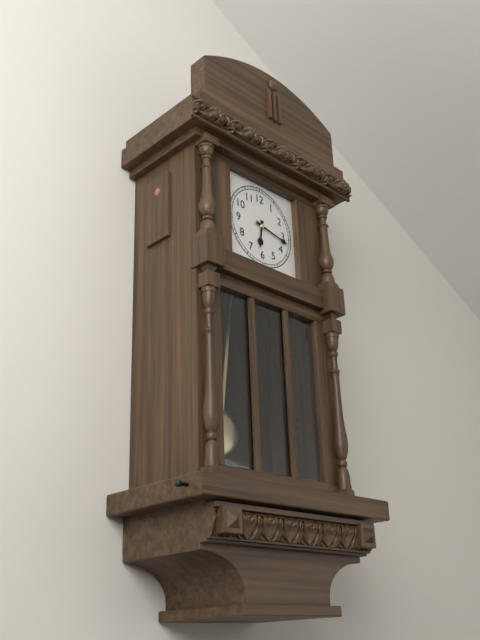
6,17
